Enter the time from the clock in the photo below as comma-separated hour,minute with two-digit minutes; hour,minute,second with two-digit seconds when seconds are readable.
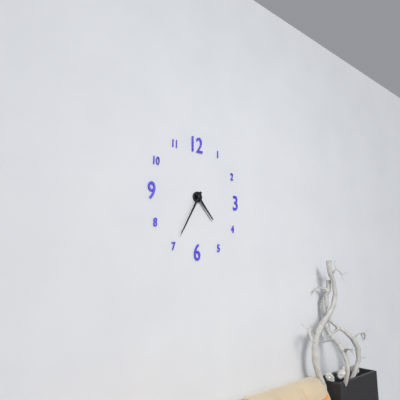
4,35
